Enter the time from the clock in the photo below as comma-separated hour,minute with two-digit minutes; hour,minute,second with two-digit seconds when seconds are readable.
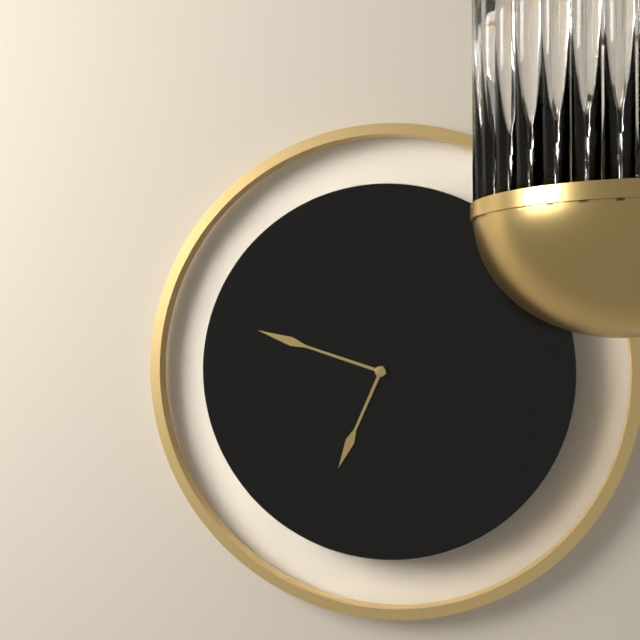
6,48
